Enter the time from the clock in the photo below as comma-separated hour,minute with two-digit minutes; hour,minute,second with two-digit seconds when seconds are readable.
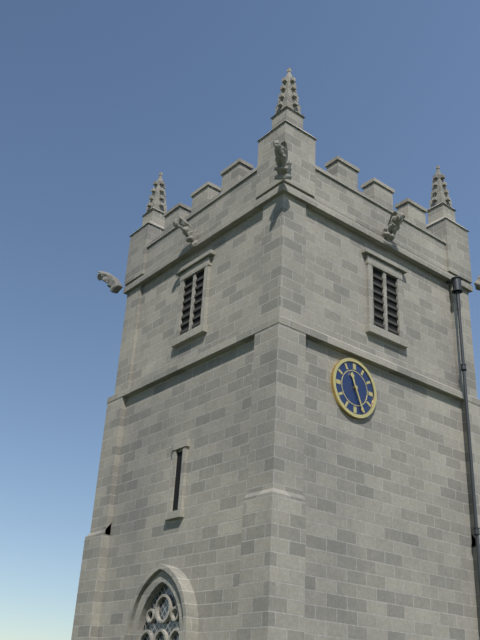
11,26
